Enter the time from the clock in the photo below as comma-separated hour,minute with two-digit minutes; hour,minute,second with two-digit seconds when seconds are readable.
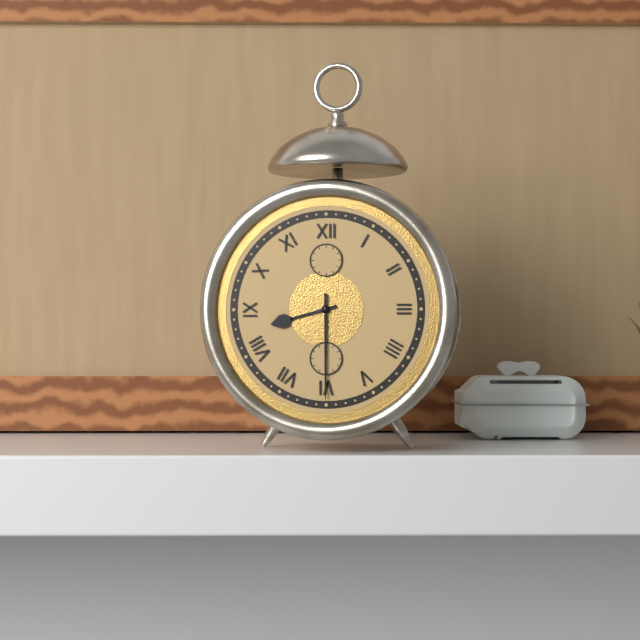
8,30
